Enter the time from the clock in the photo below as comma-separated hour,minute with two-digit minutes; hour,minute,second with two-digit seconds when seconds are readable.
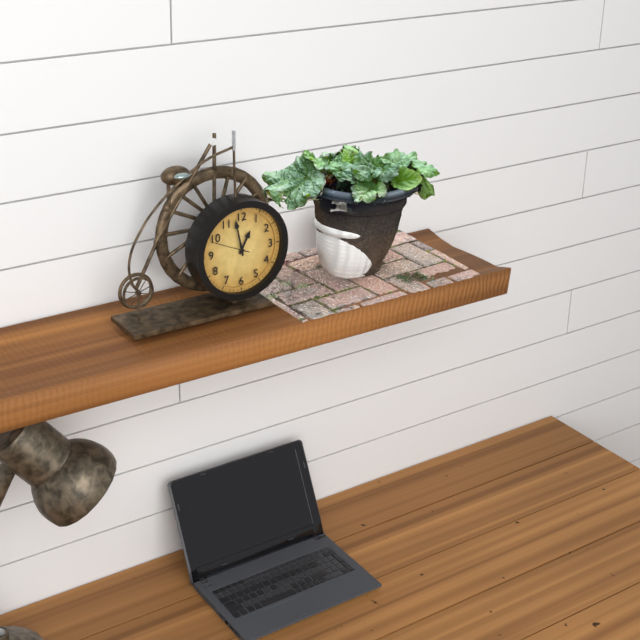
12,58
